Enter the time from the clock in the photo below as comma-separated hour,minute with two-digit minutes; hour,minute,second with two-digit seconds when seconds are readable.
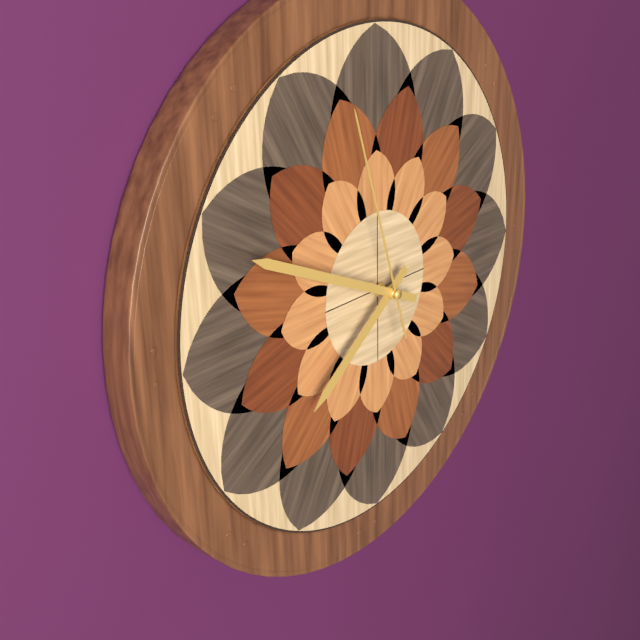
7,49,57
